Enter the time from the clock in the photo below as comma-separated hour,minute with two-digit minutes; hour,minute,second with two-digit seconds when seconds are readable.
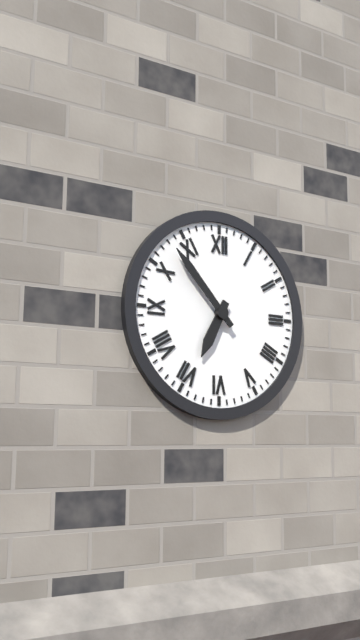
6,53
